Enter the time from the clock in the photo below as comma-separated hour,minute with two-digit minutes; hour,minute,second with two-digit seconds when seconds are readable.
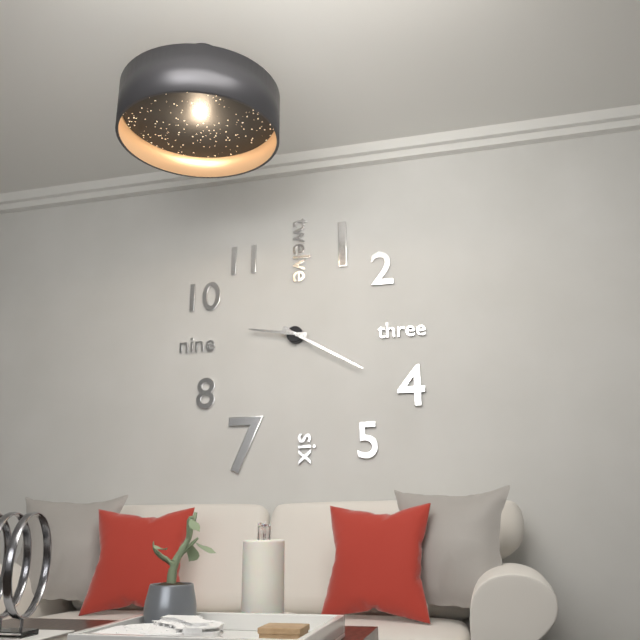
9,20
